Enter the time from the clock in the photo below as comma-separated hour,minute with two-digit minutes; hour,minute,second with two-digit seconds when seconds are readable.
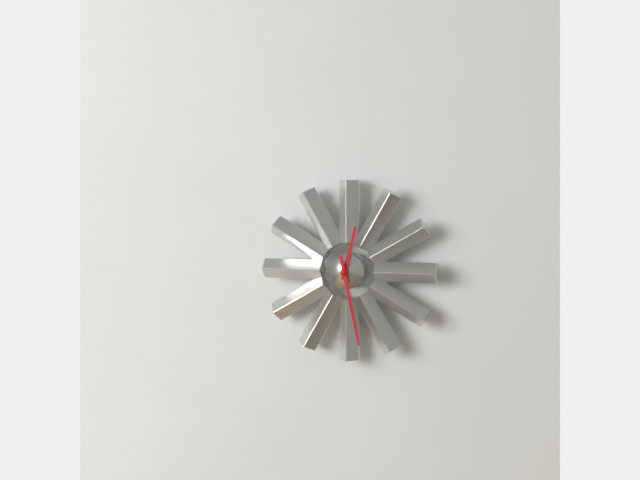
12,28
